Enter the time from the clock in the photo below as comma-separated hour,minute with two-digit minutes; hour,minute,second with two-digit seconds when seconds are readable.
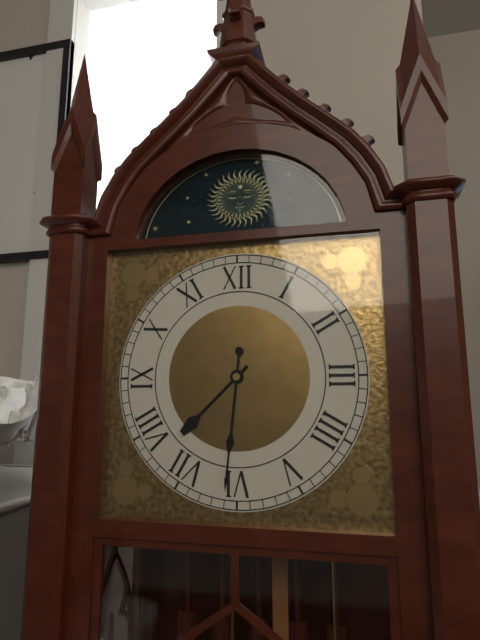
7,31
